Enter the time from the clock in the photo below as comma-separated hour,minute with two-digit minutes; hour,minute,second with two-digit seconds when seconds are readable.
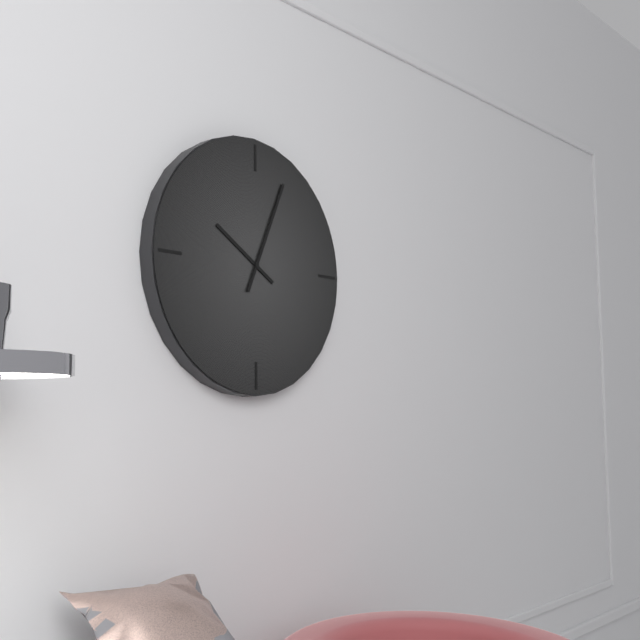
10,04
